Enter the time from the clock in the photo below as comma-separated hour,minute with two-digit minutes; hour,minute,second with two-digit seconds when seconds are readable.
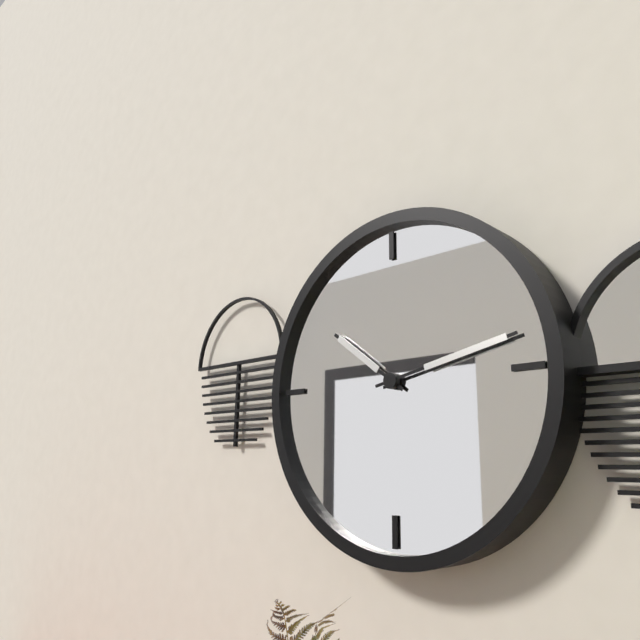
10,13
